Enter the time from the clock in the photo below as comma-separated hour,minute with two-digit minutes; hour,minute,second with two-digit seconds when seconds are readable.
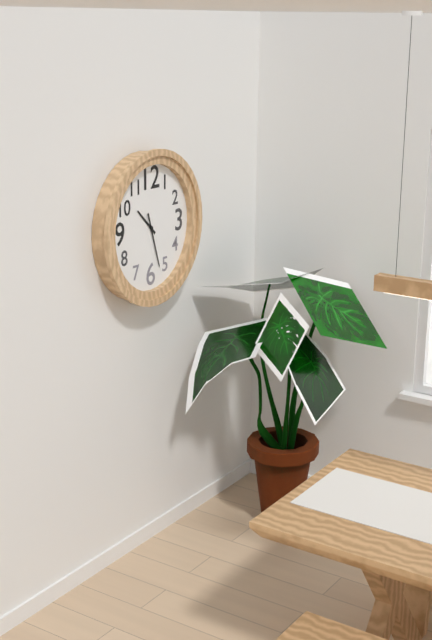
10,27
